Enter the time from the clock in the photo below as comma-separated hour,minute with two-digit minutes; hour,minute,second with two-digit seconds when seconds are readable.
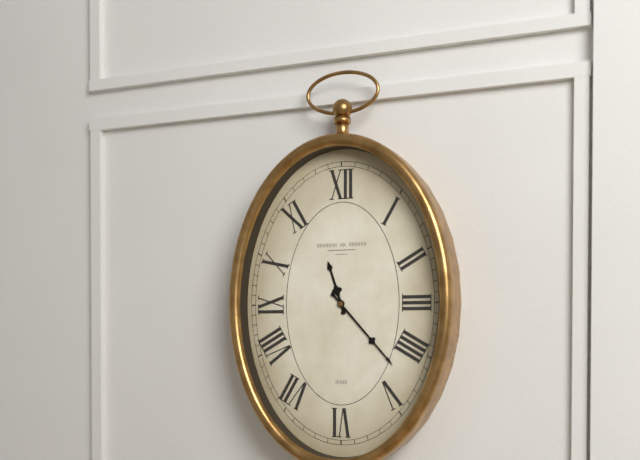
11,23
